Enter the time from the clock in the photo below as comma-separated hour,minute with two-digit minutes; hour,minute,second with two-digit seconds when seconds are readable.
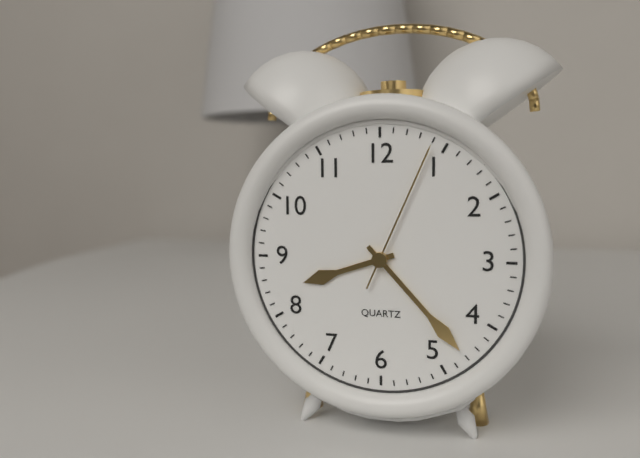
8,23,04
